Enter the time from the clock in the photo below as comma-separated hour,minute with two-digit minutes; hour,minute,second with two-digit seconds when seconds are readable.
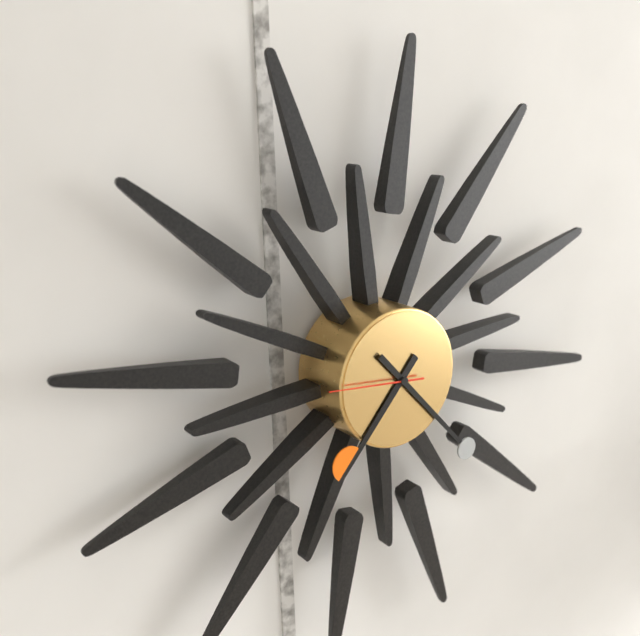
7,23,46
